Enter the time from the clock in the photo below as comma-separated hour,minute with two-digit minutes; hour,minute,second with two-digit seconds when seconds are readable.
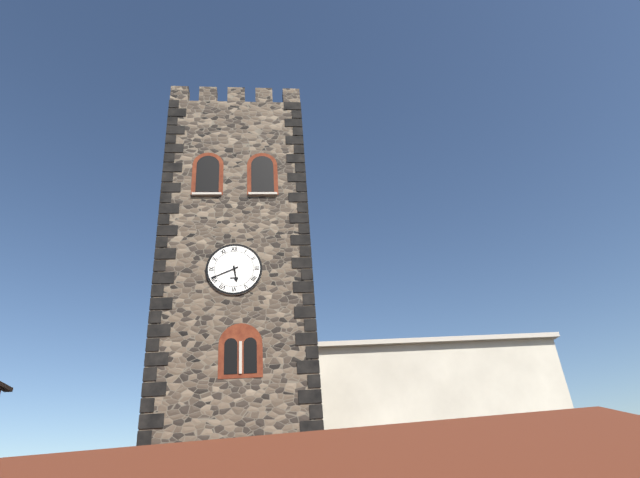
5,41
